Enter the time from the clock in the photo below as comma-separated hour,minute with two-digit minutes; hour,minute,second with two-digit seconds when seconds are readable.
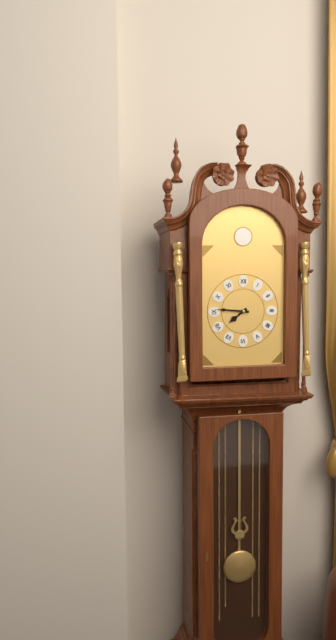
7,46
